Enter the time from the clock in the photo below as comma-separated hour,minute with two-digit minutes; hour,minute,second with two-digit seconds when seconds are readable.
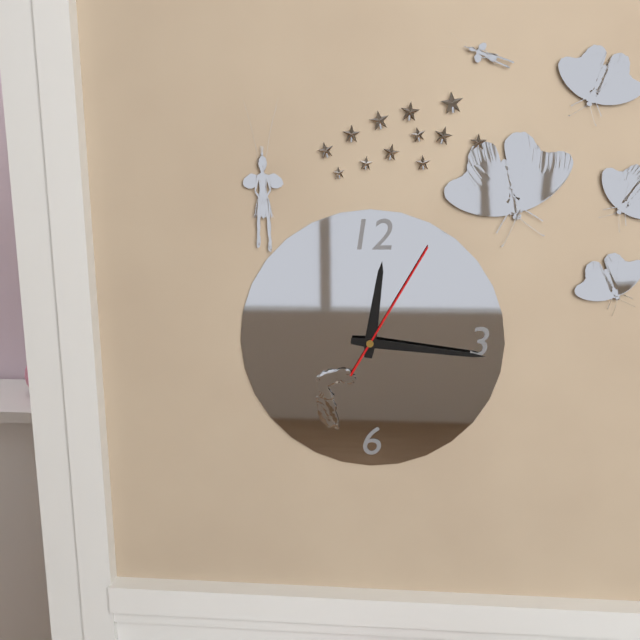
12,16,05
